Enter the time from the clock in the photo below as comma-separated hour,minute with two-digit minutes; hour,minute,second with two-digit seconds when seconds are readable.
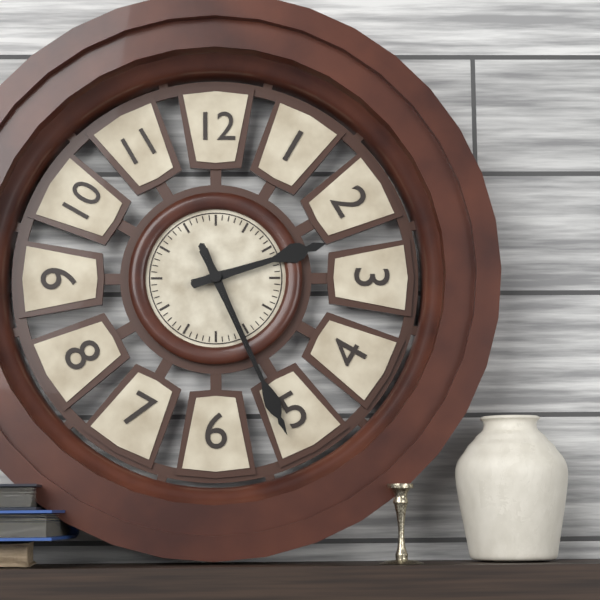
2,26,26
